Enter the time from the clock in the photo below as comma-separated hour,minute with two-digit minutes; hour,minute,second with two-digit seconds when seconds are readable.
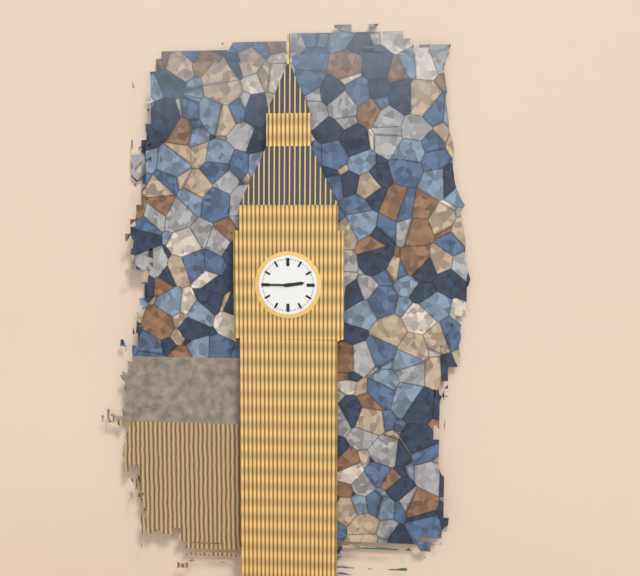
2,45
